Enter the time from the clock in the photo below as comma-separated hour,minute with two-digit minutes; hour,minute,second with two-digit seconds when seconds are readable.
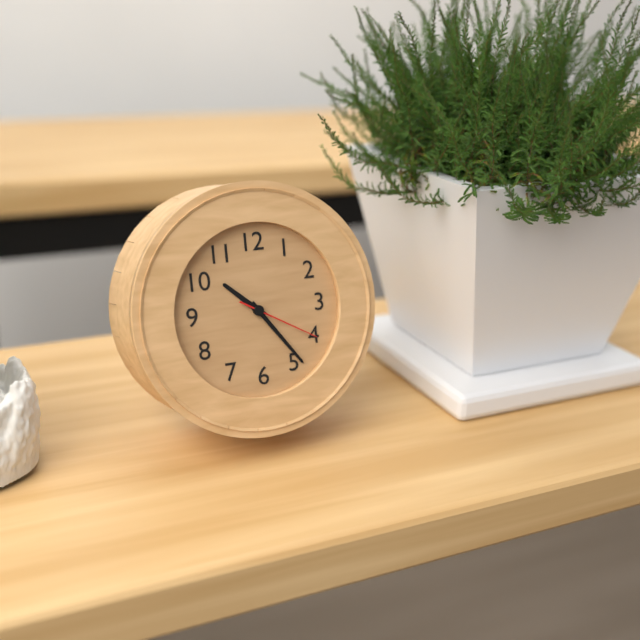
10,24,20
